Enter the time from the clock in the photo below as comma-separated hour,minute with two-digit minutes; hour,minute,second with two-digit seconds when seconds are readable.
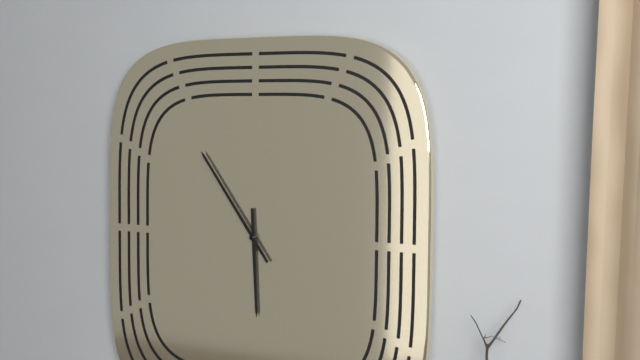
5,54
